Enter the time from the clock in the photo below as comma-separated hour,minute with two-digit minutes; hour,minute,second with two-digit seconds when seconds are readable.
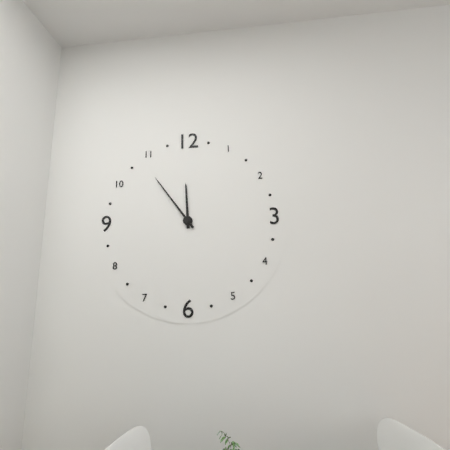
11,54
